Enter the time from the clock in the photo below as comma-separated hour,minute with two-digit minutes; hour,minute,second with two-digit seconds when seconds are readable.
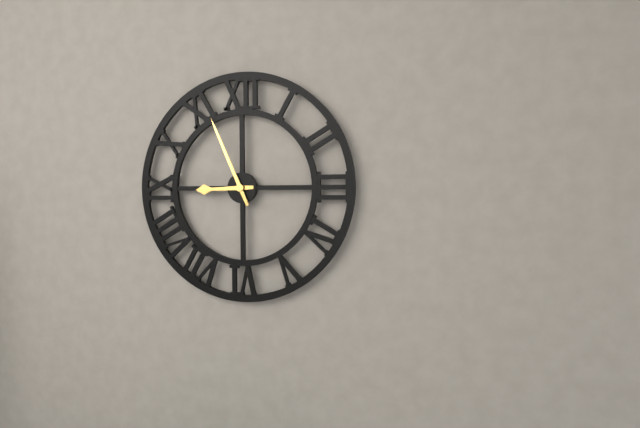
8,56
